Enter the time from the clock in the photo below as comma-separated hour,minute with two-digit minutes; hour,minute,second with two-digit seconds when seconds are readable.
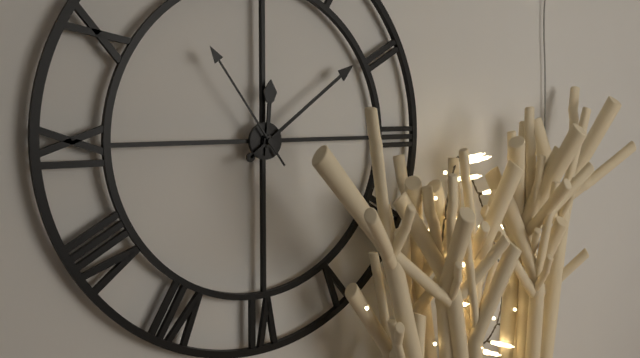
12,09,54
